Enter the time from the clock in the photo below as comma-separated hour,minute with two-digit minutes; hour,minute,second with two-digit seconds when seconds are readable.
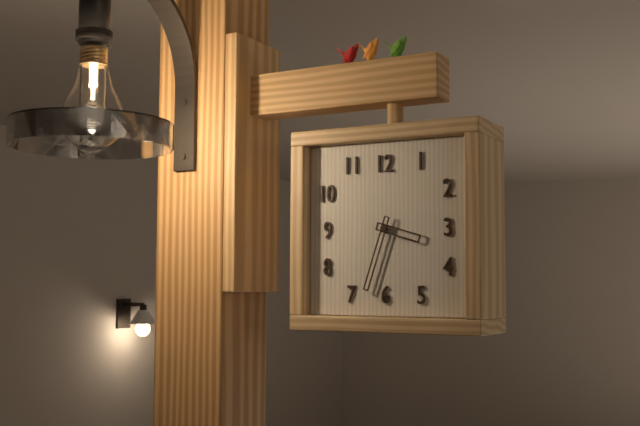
3,33
